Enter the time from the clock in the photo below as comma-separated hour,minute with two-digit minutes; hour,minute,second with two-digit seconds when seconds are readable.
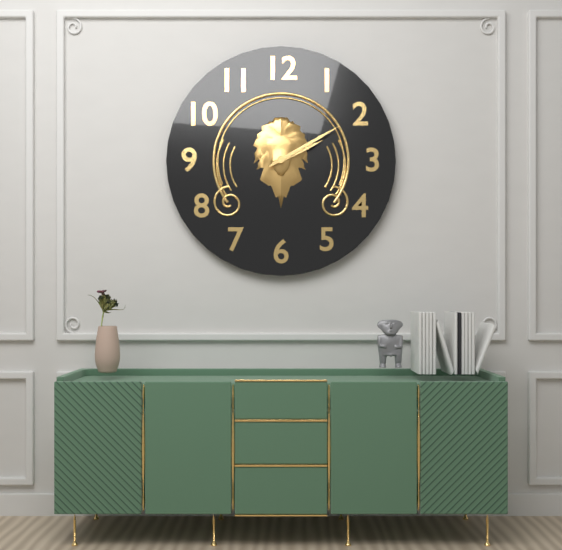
2,10
